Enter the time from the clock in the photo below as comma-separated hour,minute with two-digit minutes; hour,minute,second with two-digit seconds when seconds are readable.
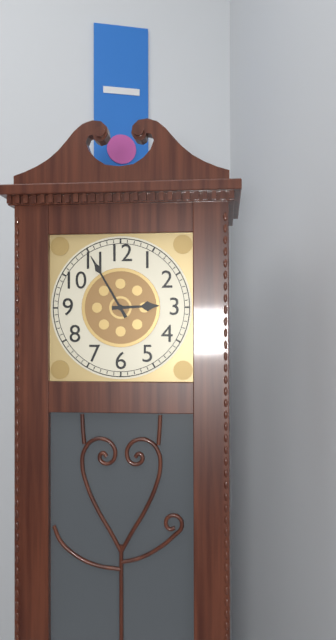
2,55
